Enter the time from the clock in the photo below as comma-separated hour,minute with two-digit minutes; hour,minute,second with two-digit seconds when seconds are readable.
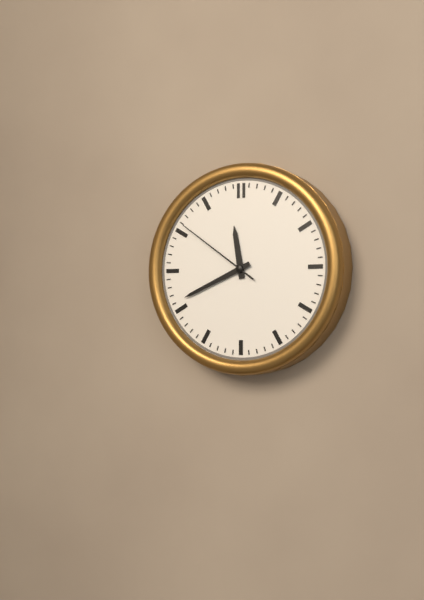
11,41,51
